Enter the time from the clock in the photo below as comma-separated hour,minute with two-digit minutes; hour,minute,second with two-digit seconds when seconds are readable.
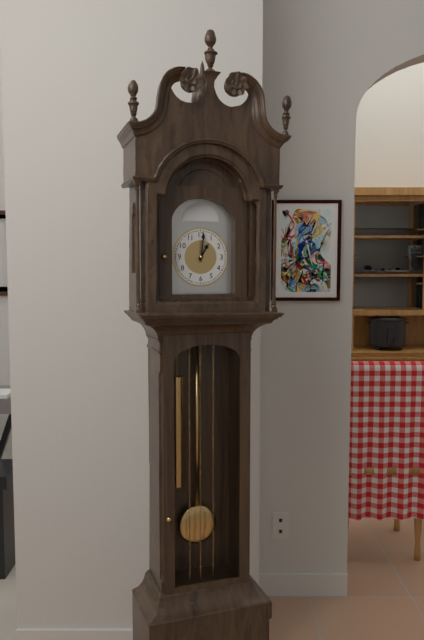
1,01
